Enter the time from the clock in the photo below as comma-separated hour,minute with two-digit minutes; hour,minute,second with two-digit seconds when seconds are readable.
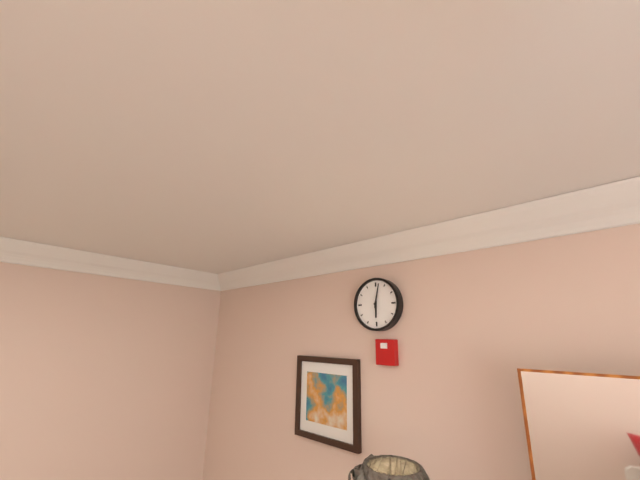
6,02
